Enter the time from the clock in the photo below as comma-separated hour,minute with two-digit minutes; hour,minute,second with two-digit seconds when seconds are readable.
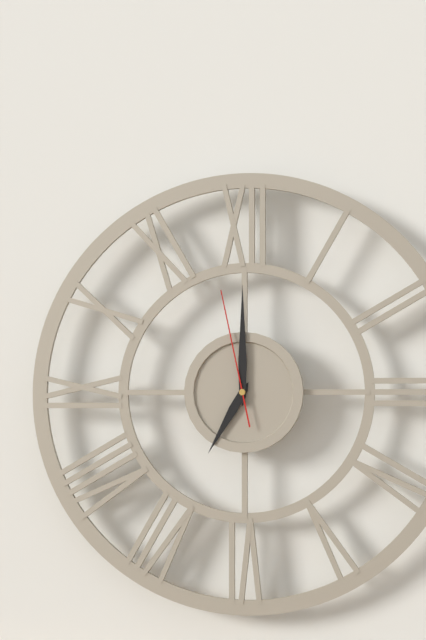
7,00,58
